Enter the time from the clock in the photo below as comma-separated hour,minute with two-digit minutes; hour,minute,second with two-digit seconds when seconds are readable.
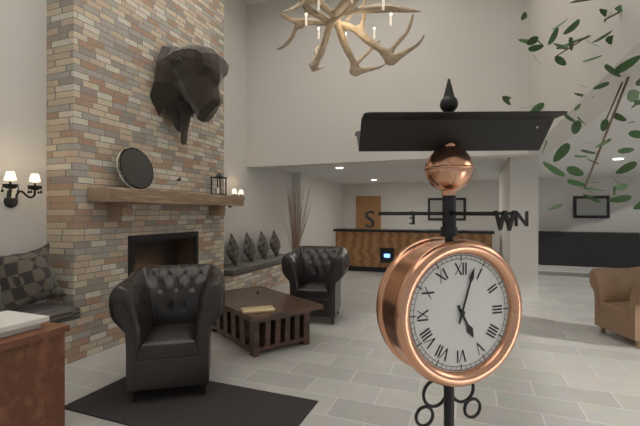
5,03
